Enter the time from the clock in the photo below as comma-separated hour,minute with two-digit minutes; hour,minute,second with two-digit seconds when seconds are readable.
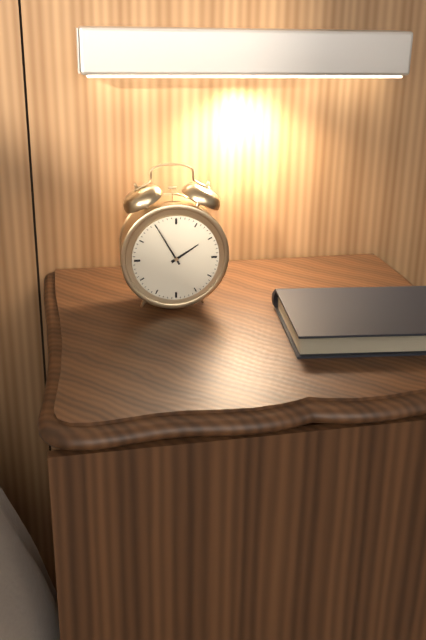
1,55
